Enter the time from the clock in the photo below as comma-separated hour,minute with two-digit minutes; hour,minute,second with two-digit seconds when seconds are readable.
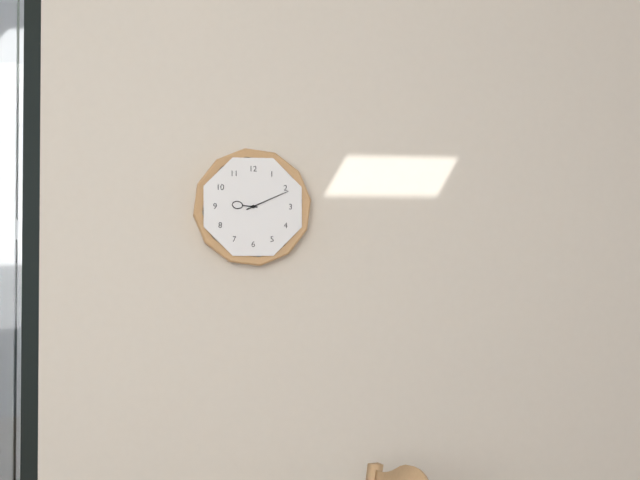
9,11
